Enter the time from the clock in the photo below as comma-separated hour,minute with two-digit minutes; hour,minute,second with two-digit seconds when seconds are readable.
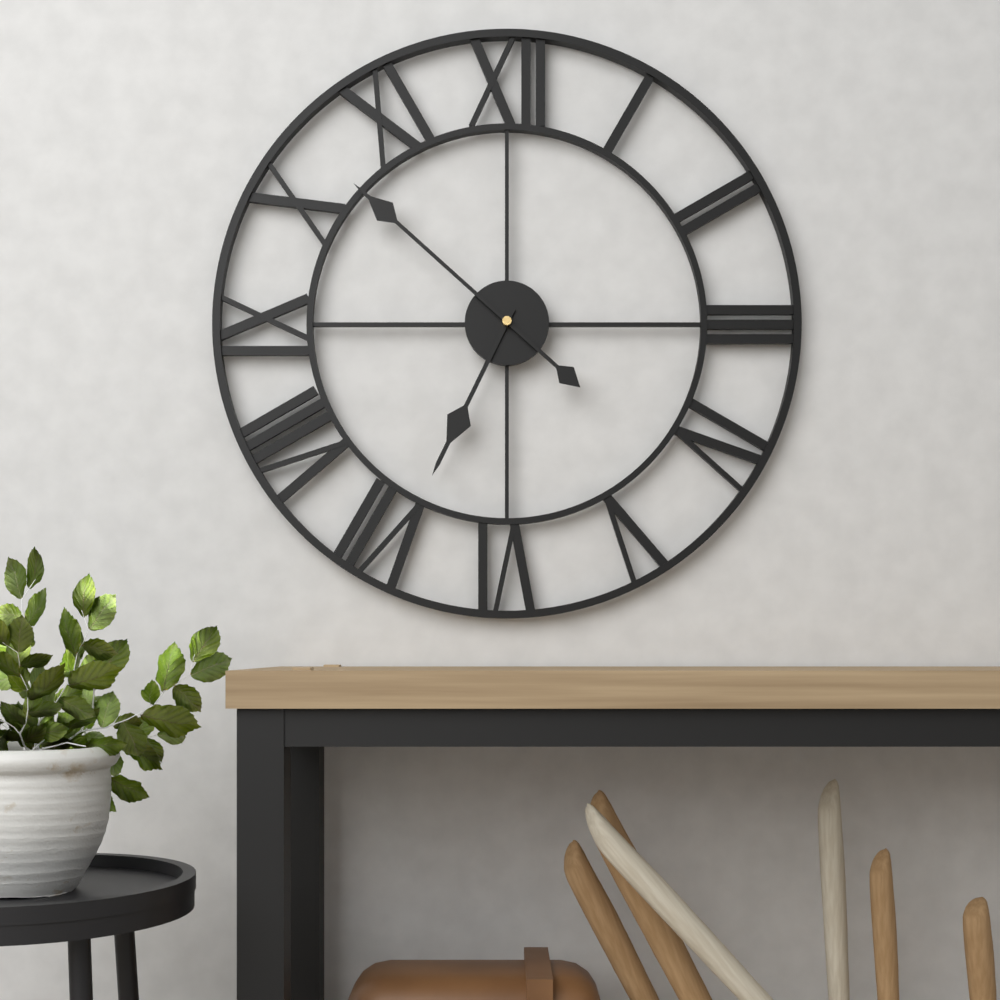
6,52
